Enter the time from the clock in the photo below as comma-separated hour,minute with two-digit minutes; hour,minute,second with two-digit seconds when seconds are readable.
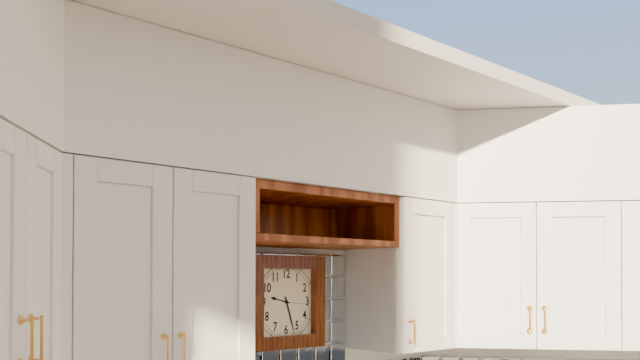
9,27
